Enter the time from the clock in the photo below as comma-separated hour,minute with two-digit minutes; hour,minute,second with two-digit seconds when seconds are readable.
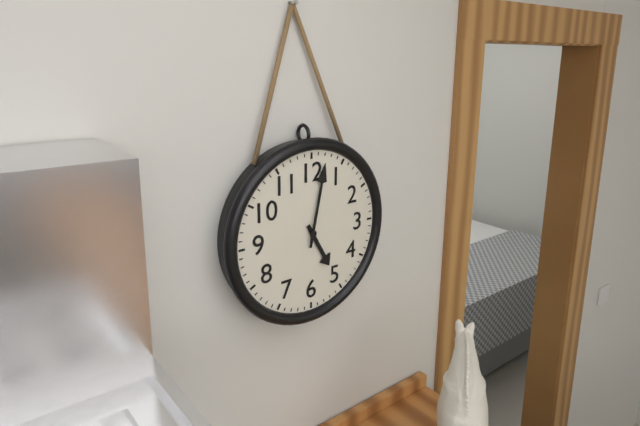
5,02
